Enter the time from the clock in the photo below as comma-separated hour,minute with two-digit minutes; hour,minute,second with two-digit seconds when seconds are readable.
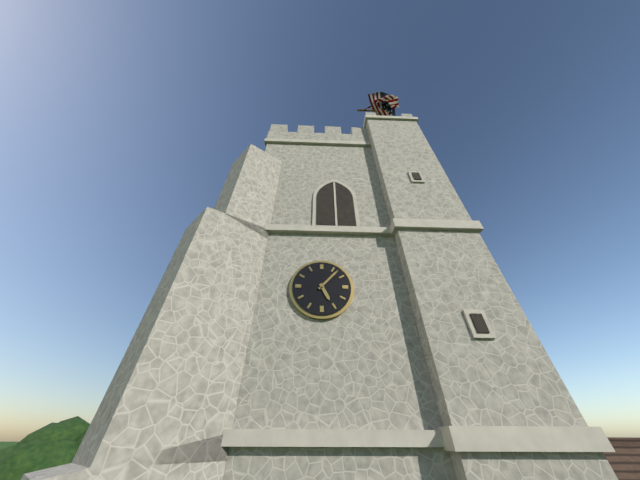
5,07
